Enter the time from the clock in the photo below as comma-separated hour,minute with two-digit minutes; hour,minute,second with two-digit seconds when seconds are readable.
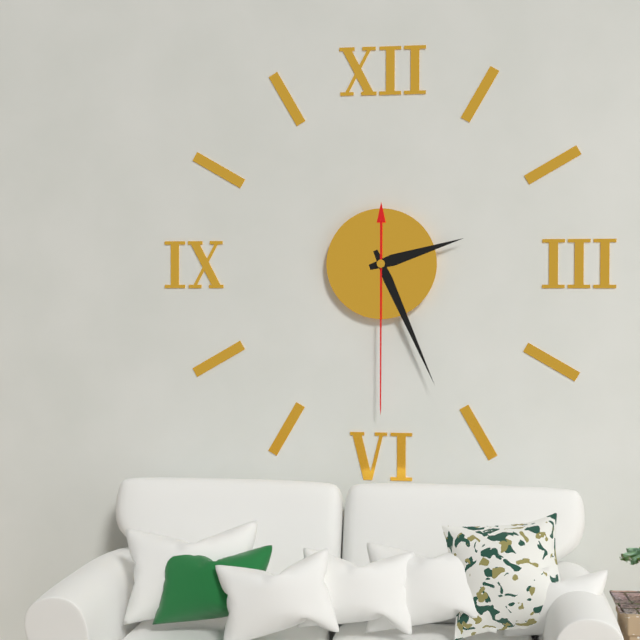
2,26,30
